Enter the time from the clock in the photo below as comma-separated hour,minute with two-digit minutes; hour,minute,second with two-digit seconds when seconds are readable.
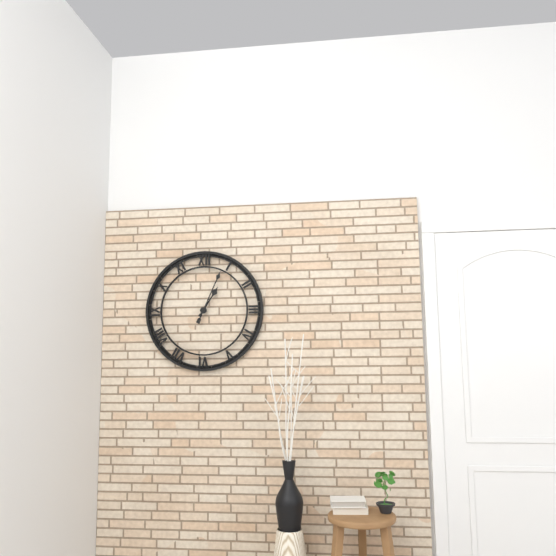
1,04
